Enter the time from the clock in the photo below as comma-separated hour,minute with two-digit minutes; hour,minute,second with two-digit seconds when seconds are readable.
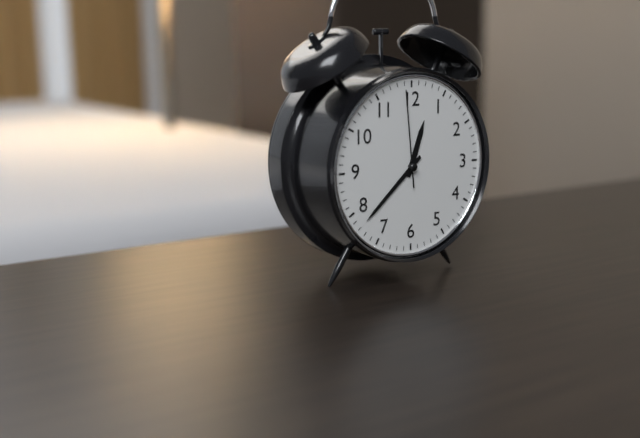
12,38,59
